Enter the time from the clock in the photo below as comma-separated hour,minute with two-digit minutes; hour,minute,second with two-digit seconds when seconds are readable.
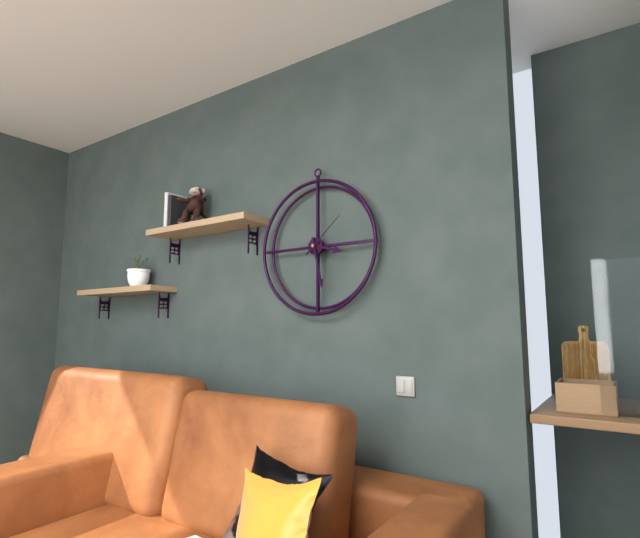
3,28,08
